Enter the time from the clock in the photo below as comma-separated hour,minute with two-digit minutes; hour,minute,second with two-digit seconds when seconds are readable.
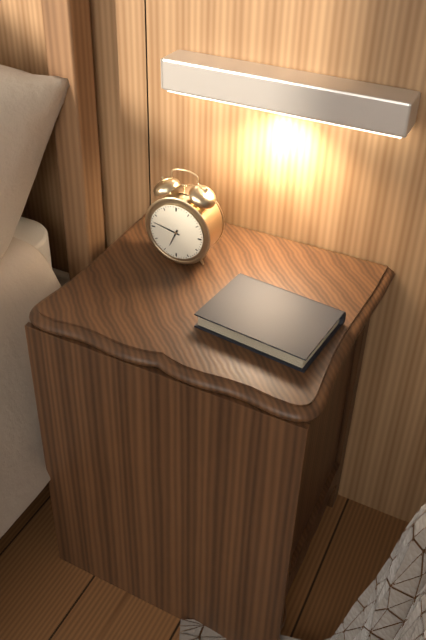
6,47
